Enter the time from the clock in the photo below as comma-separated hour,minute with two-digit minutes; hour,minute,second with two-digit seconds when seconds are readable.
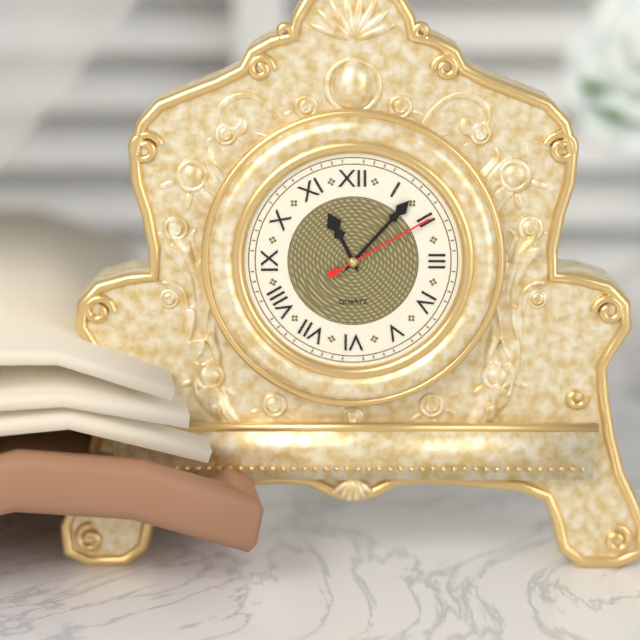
11,07,10
